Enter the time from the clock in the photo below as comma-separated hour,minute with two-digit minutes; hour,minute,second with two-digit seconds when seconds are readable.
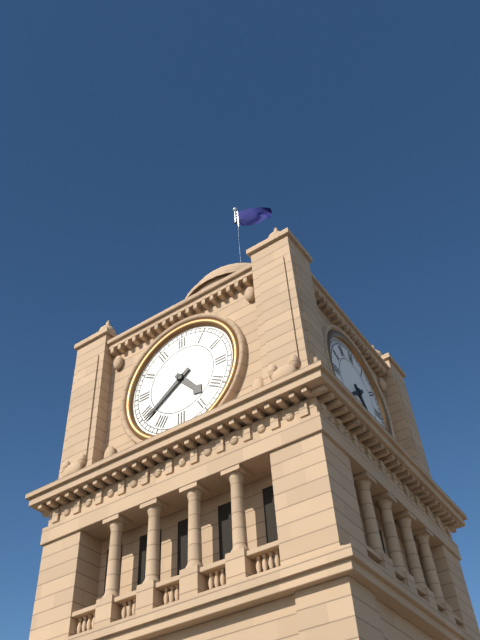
4,39
